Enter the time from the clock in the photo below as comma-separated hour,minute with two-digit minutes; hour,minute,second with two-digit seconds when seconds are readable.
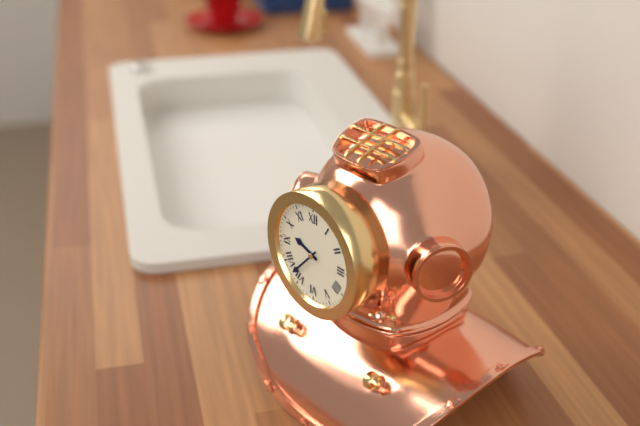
9,37
